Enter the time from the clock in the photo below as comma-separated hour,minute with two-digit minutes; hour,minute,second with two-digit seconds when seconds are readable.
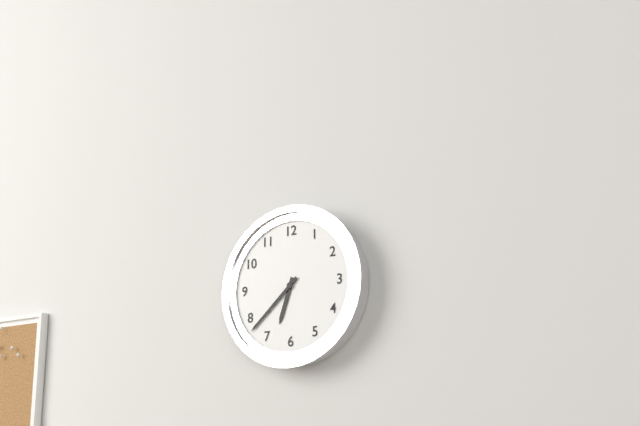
6,38
